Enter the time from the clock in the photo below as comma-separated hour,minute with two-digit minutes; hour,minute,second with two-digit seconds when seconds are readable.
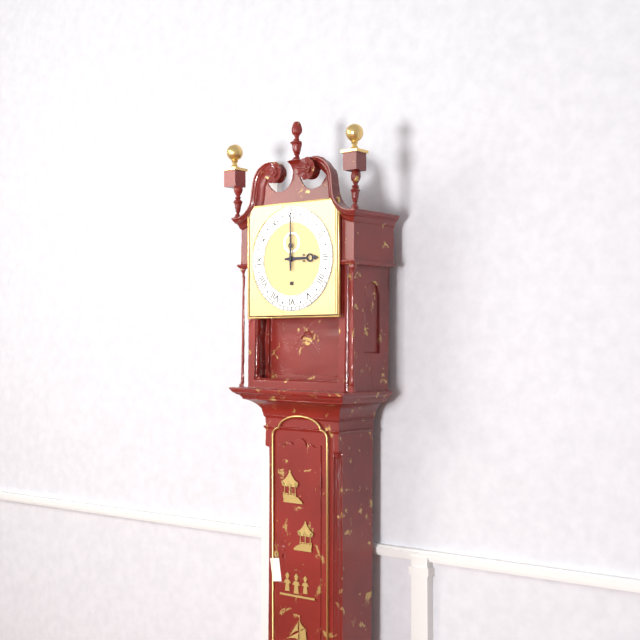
3,00
